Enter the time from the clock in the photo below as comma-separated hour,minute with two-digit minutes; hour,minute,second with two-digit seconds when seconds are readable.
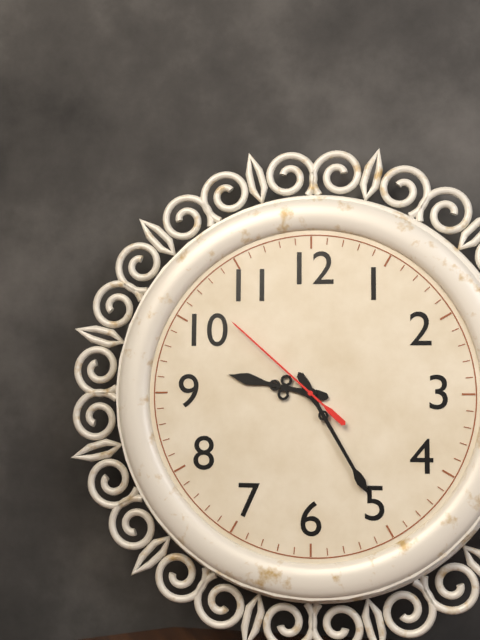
9,25,52
